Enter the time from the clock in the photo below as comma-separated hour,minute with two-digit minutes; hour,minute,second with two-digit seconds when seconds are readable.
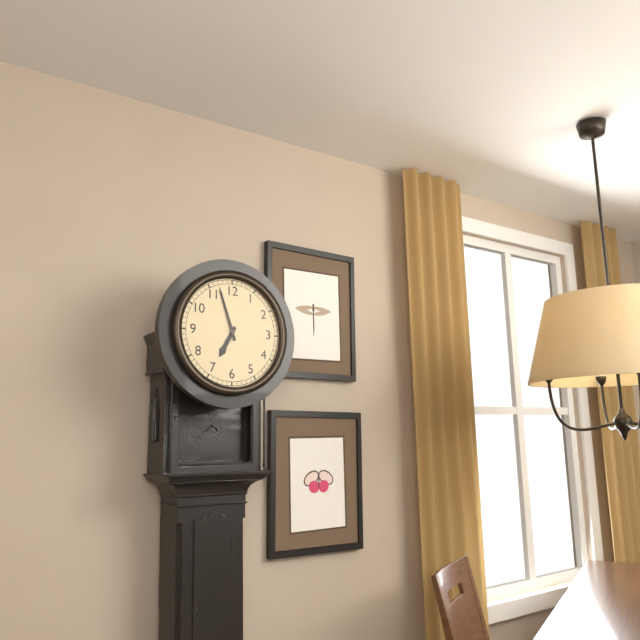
6,57
